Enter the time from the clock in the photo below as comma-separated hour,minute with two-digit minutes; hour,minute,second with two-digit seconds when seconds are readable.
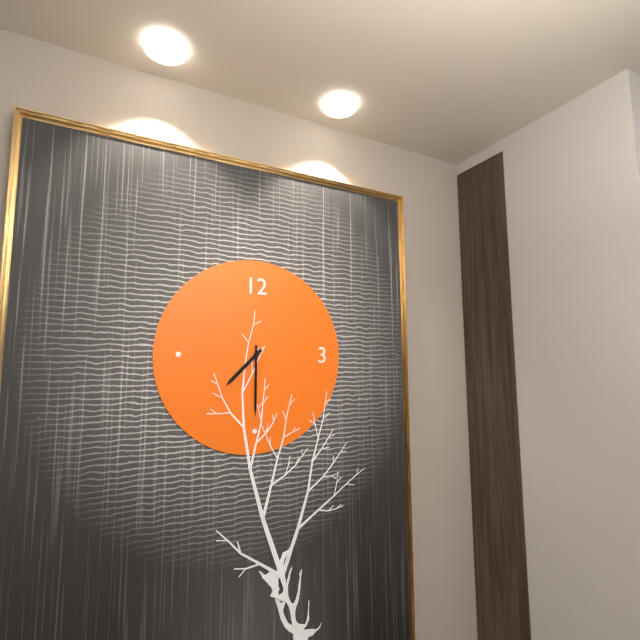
7,30
